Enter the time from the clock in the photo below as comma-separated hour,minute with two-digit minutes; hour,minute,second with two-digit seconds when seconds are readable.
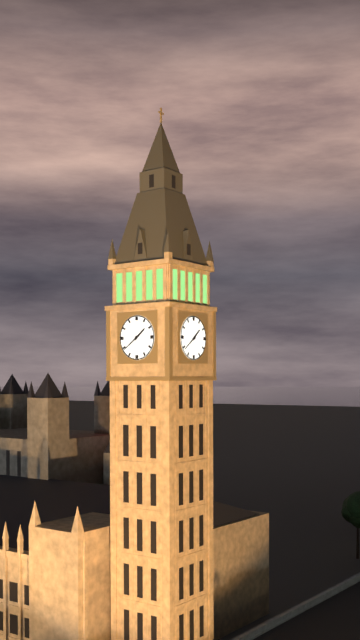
1,39
